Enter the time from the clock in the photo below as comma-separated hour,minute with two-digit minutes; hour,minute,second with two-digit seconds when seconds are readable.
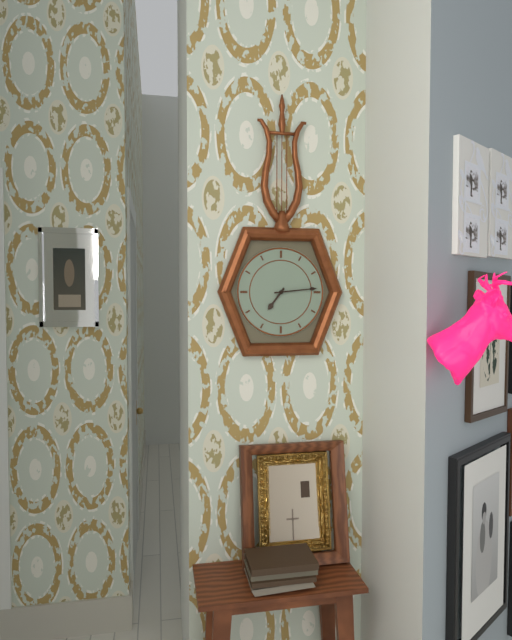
7,14
